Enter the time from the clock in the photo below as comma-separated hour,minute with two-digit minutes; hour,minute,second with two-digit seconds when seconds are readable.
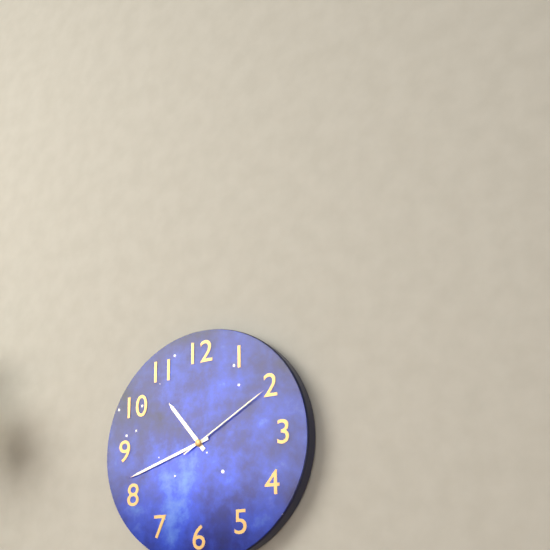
10,42,10
